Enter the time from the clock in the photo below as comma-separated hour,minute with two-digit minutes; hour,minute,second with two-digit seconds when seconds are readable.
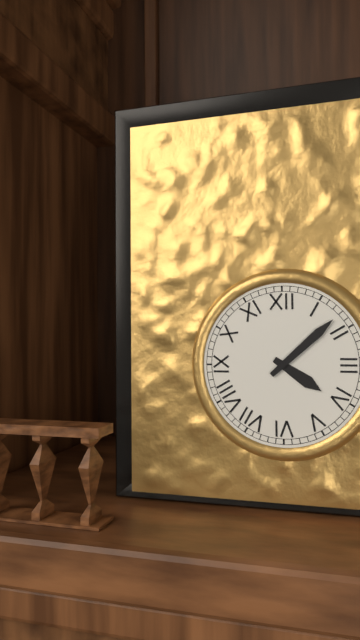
4,08
